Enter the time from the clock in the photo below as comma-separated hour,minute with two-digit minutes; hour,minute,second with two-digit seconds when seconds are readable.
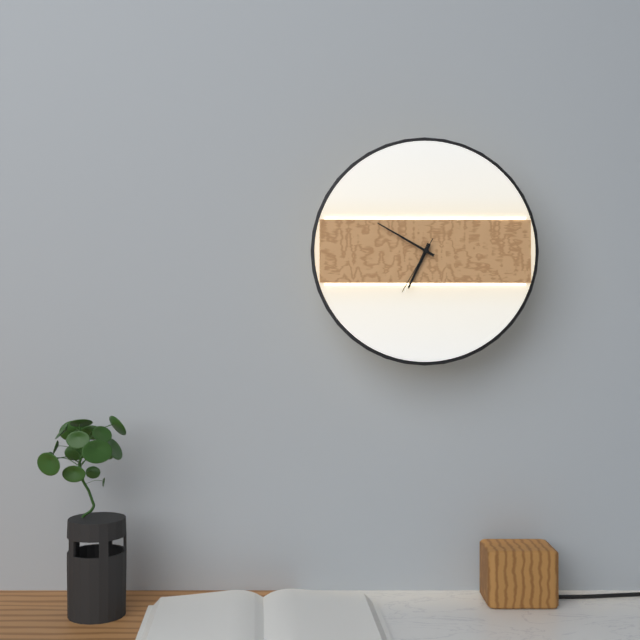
6,50,35
